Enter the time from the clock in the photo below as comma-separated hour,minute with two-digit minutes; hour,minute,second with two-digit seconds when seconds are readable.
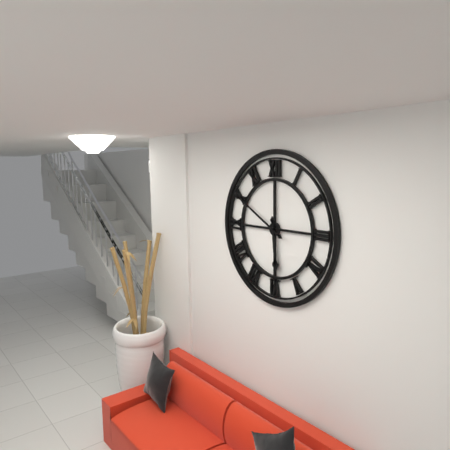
5,50
